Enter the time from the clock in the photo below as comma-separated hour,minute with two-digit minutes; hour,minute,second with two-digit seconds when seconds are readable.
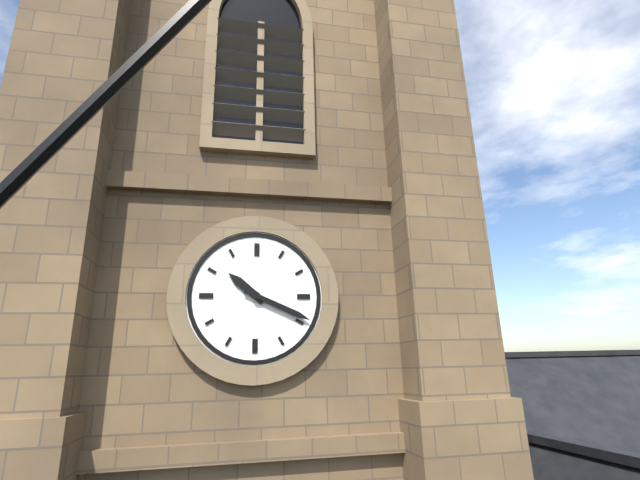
10,19
